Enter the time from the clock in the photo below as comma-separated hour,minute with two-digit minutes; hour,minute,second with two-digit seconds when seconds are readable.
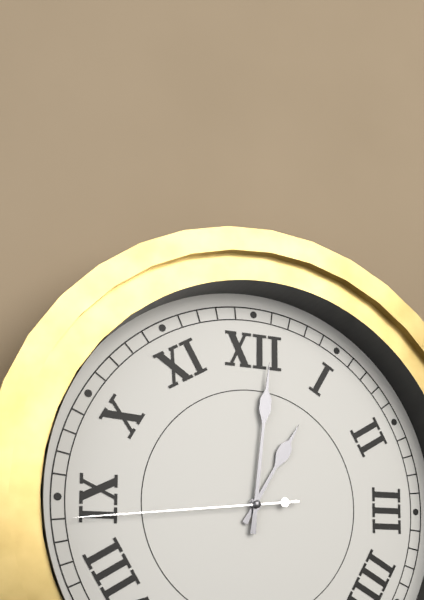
1,01,44
